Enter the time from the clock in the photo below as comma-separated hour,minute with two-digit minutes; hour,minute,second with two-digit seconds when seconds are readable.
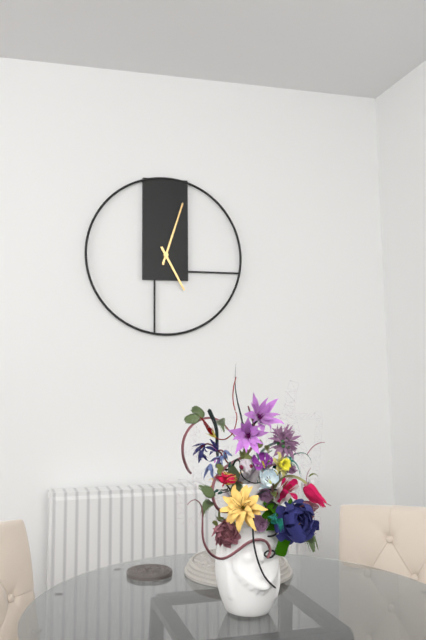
5,03
